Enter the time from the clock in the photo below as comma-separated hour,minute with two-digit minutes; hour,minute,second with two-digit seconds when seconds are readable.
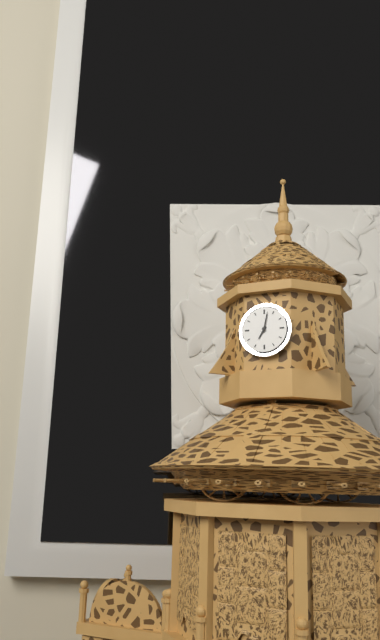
7,02
